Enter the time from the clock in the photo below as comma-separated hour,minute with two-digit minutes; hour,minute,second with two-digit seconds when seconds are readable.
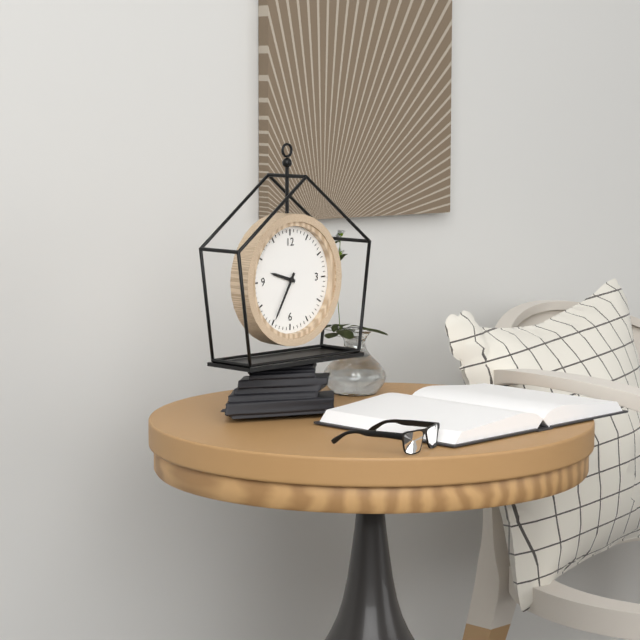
9,35
